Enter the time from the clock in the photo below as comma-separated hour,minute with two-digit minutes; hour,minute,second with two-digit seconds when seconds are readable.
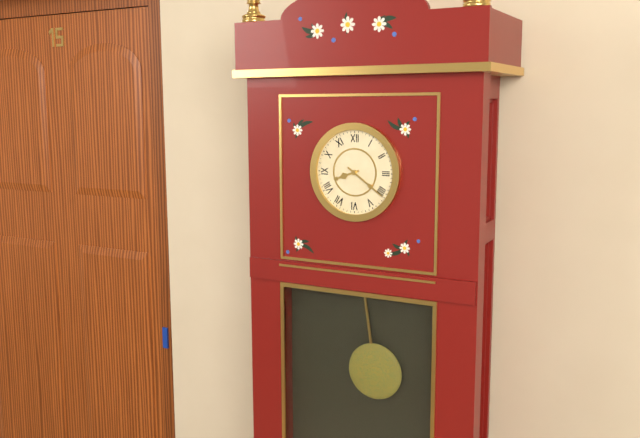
8,21
